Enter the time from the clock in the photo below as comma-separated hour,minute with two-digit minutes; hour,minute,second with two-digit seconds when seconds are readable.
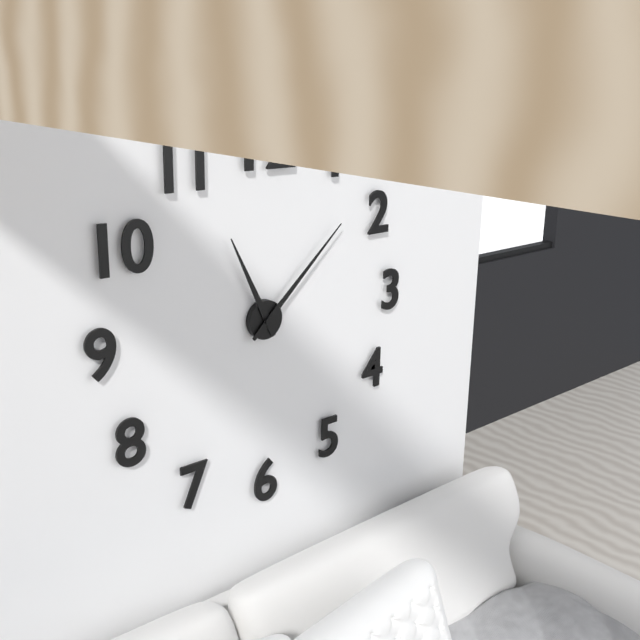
11,08
